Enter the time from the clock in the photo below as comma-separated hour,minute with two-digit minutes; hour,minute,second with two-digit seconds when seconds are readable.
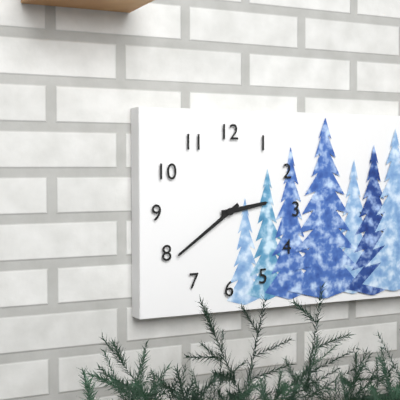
2,39
